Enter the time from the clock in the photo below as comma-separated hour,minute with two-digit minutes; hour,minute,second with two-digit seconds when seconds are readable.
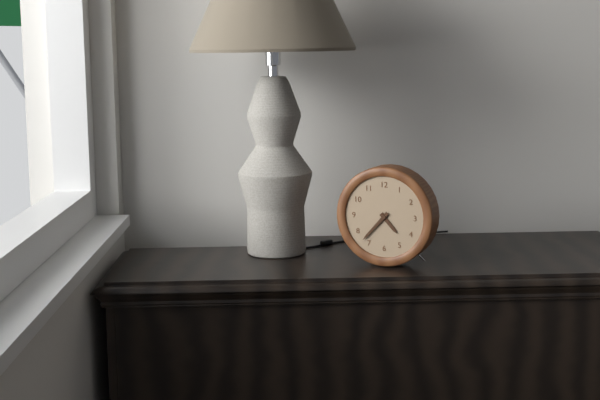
4,37
